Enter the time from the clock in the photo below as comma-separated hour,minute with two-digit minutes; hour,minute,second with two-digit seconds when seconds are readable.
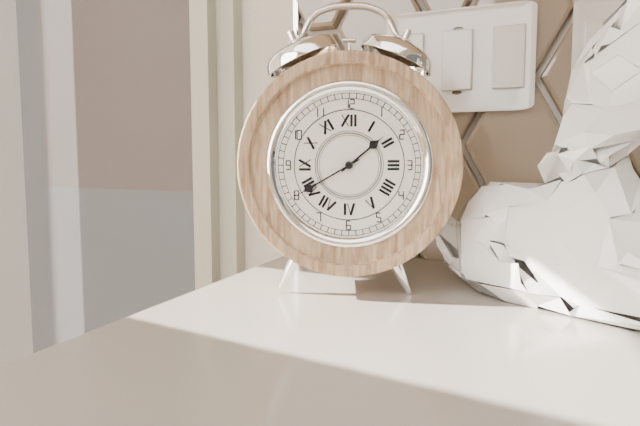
1,40
